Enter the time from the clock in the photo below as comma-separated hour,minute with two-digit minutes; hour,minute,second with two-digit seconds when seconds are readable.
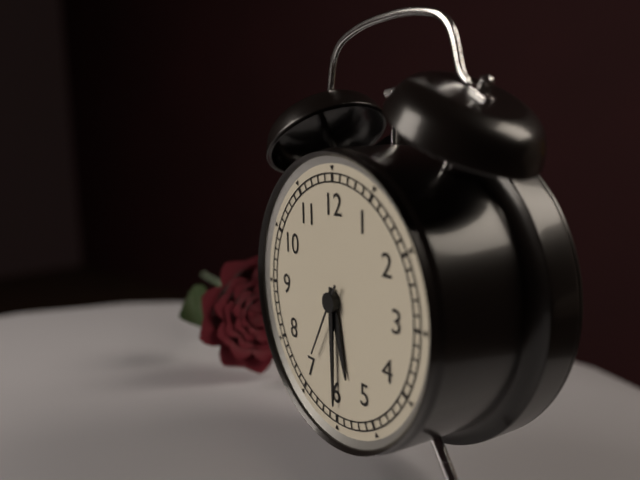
5,30,35
